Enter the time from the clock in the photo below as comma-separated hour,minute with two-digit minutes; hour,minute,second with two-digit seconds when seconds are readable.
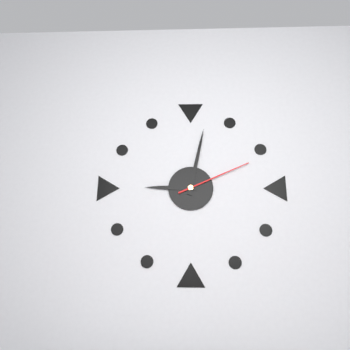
9,02,11
